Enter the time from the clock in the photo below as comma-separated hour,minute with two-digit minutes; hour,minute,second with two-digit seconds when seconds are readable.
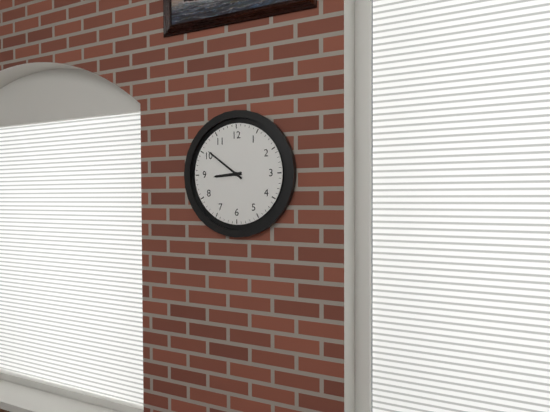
8,51
